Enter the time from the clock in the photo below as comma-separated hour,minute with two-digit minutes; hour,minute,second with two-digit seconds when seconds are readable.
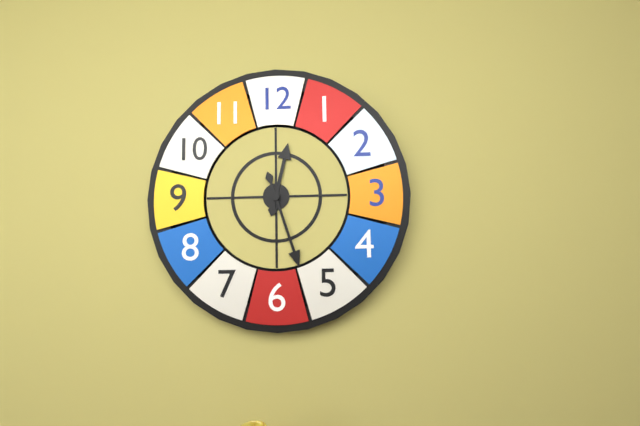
12,27
